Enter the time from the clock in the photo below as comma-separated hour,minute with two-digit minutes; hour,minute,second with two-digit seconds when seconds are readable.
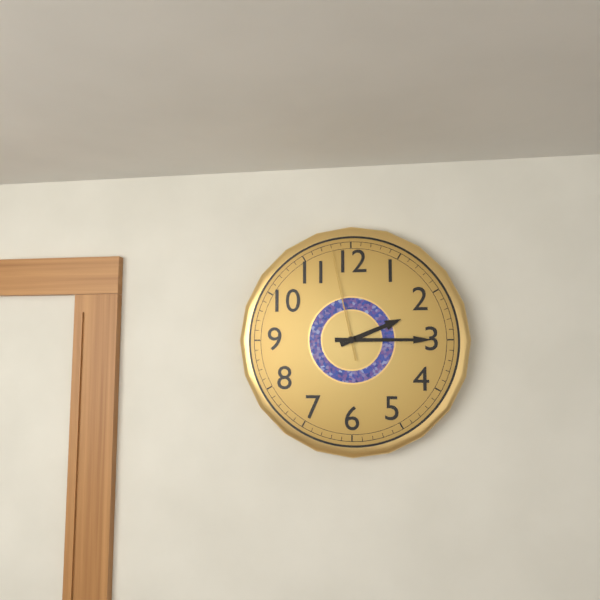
2,15,58
